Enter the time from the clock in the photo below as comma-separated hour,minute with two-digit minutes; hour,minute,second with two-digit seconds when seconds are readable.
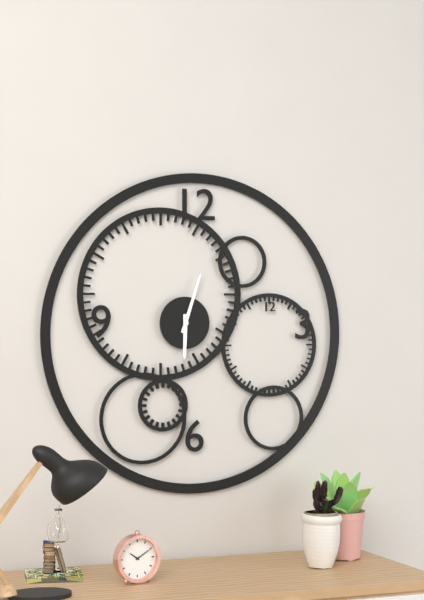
6,03
